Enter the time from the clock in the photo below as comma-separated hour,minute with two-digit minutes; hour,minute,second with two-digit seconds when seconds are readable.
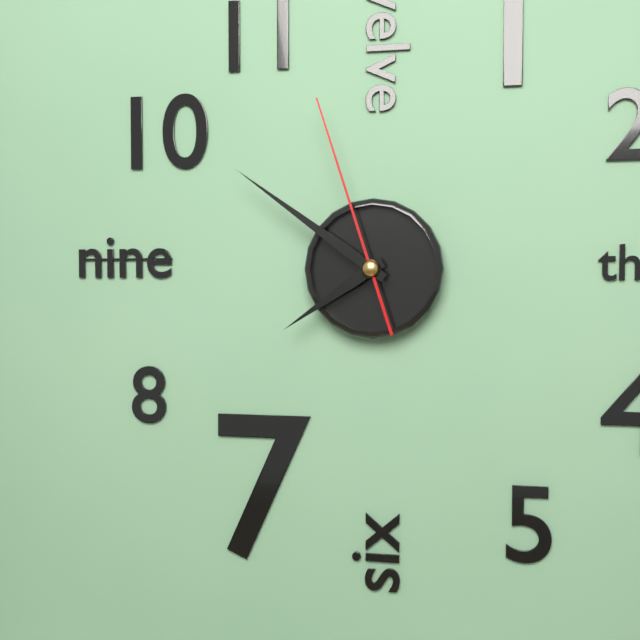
7,51,57
